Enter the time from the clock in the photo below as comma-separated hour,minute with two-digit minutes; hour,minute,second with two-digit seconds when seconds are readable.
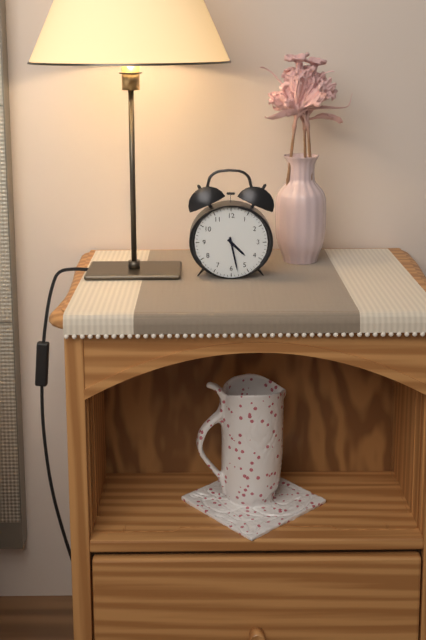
4,28
